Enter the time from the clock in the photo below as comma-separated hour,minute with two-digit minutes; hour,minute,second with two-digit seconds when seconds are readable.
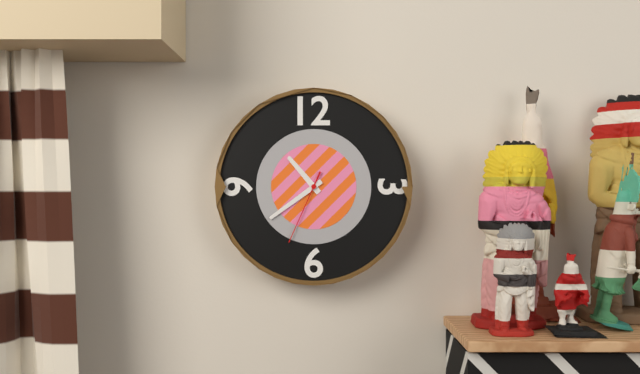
10,39,34
